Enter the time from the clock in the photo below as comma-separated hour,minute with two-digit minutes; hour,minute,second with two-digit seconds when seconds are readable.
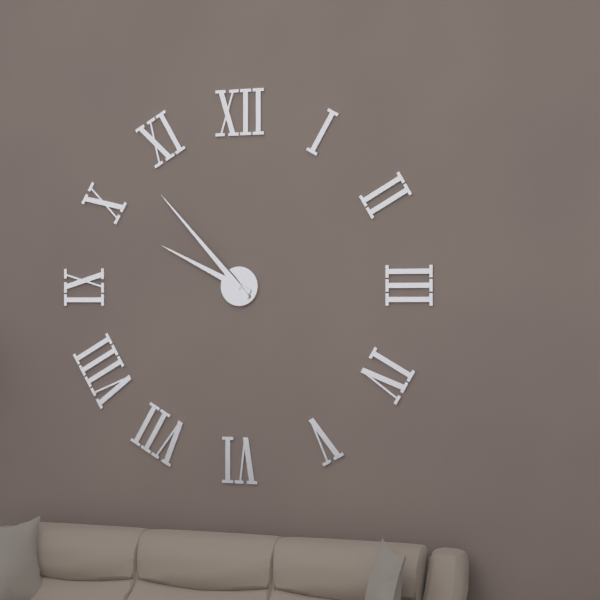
9,53
